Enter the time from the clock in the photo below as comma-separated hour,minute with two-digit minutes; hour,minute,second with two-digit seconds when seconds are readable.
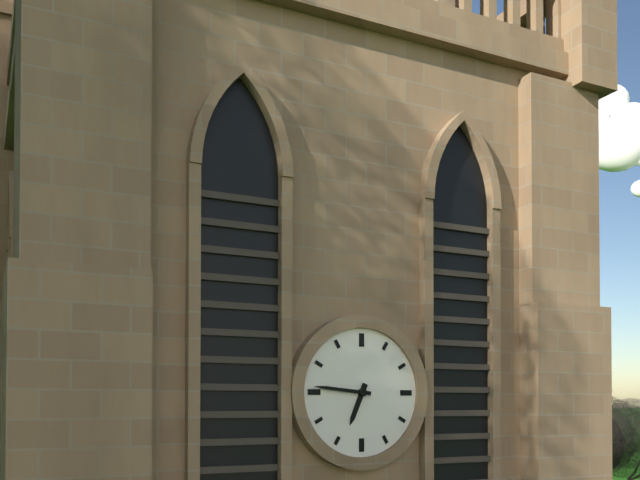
6,46
